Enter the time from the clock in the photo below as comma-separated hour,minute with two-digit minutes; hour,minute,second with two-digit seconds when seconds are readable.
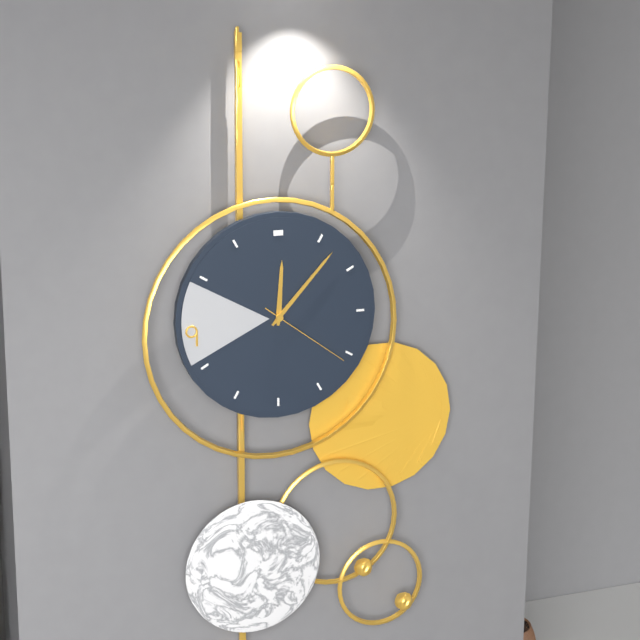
12,07,21
